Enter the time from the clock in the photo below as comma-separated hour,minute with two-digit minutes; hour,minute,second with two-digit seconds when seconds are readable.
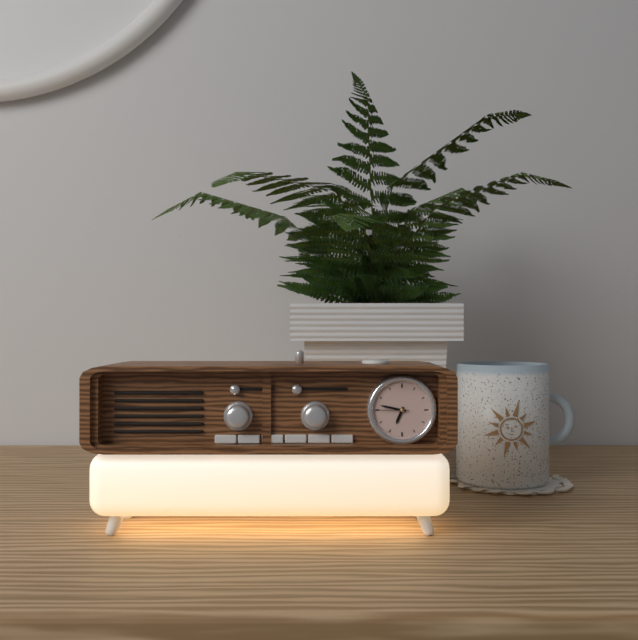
6,47
